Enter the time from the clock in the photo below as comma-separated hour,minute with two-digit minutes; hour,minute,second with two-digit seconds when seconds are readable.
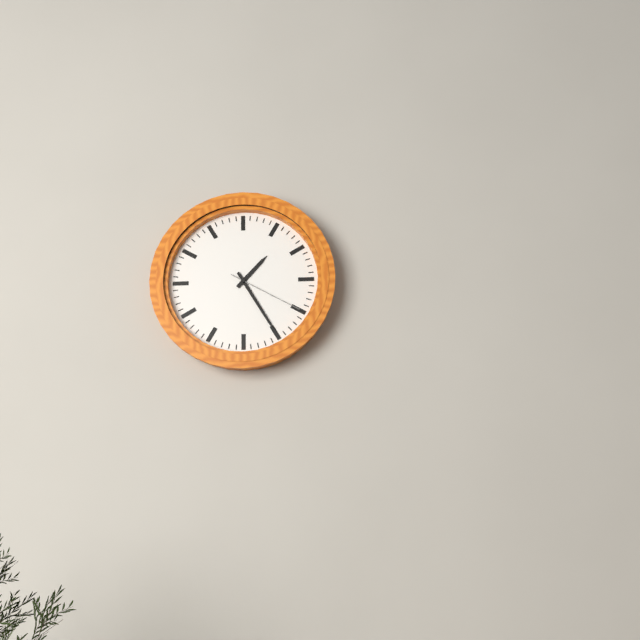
1,25,20
